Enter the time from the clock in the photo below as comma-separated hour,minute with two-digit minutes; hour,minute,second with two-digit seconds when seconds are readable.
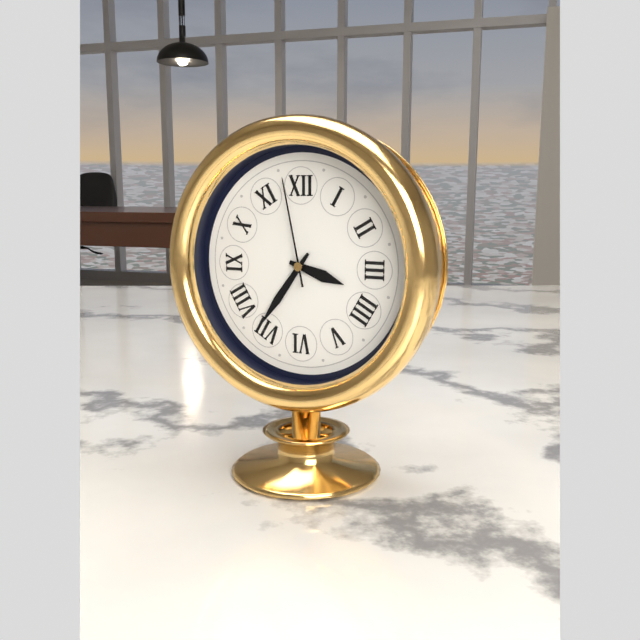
3,36,58
